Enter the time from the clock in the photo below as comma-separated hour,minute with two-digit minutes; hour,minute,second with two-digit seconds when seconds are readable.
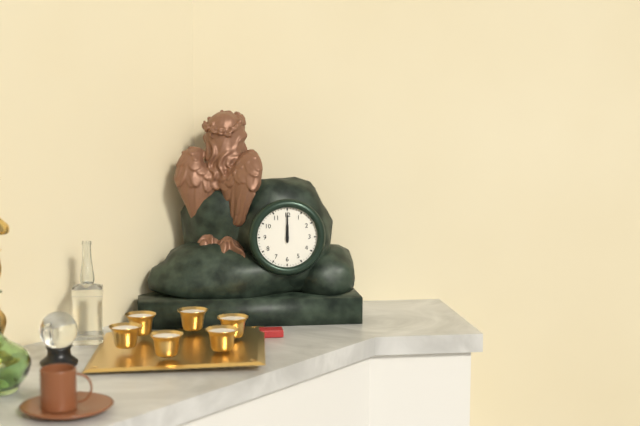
12,00
